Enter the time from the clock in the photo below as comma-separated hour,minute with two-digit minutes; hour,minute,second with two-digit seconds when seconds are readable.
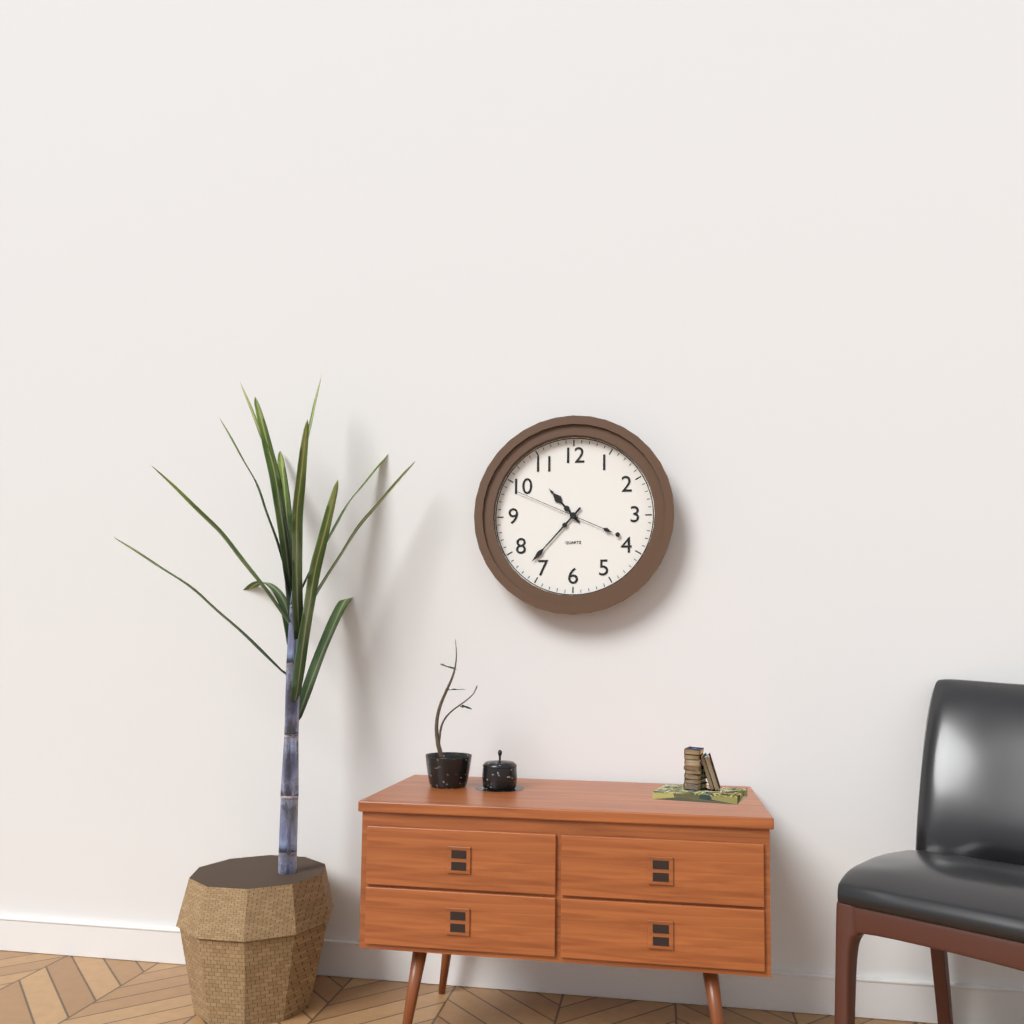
10,37,49
